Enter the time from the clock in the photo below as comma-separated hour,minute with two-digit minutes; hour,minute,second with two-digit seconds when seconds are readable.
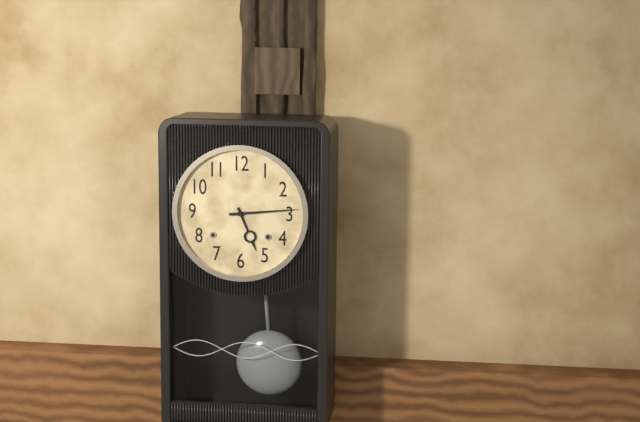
5,14
